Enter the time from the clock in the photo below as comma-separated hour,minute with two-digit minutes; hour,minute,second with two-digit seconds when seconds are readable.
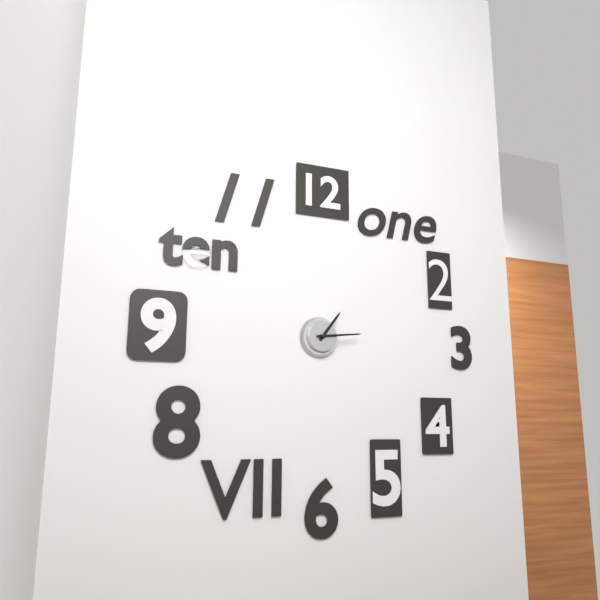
1,14
